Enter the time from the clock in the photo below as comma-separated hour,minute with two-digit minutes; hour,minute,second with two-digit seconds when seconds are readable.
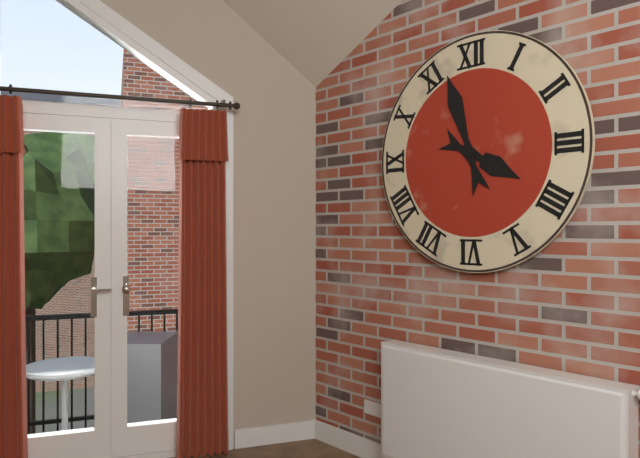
3,57
